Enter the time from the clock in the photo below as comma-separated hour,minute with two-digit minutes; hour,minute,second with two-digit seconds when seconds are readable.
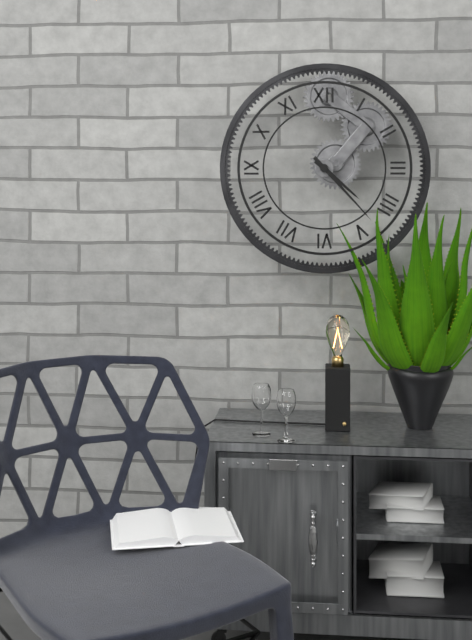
4,23
